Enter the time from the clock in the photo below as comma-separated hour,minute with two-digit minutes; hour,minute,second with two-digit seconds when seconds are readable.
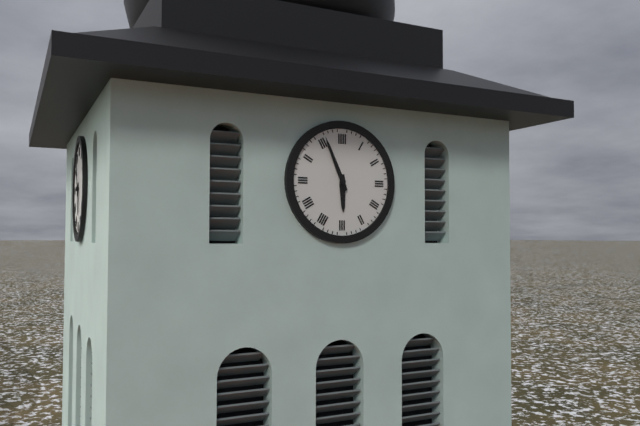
5,56
